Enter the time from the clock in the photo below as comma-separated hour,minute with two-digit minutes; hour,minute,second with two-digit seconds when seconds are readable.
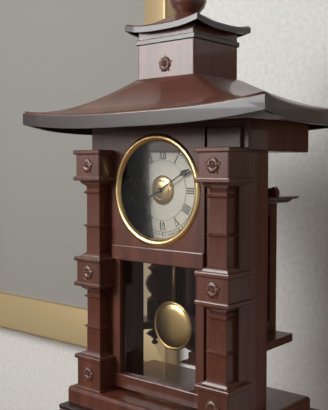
8,10
